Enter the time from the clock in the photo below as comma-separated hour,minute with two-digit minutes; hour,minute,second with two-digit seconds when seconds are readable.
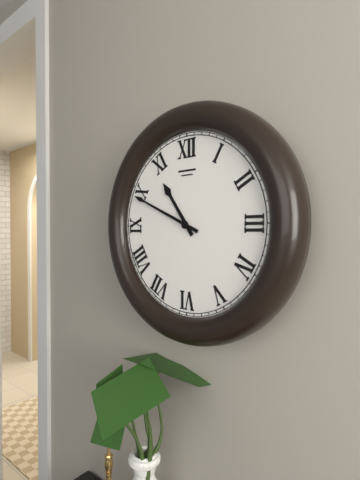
10,49
